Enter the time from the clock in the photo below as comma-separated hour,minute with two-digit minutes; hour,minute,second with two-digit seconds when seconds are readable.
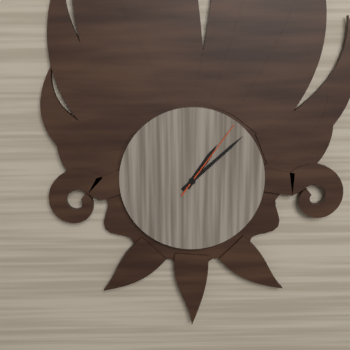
1,08,06
